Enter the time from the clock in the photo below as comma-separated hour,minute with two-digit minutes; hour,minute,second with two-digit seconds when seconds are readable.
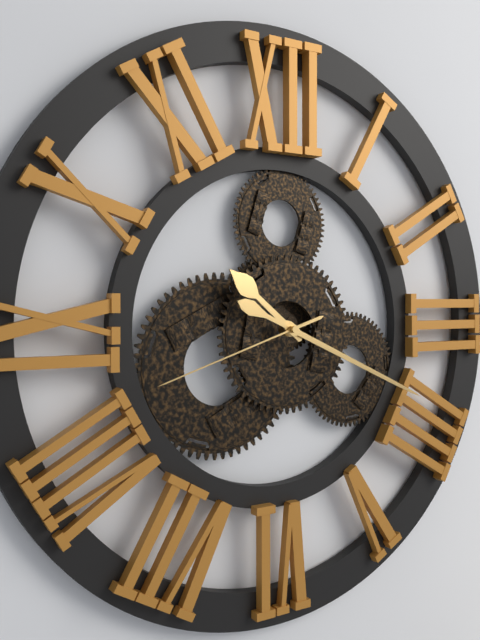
10,19,42
